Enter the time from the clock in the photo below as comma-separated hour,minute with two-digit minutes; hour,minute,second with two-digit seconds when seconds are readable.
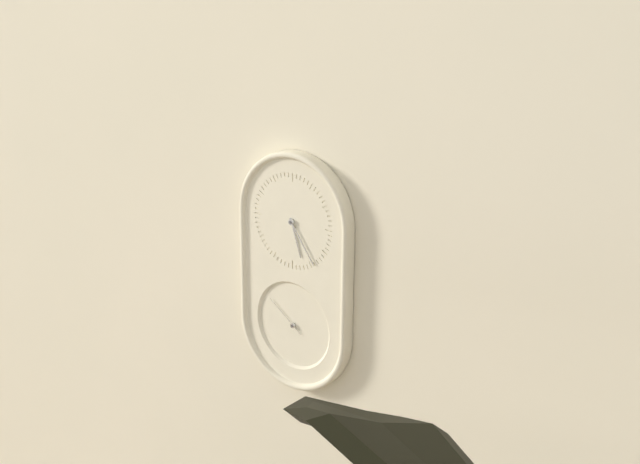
5,24
